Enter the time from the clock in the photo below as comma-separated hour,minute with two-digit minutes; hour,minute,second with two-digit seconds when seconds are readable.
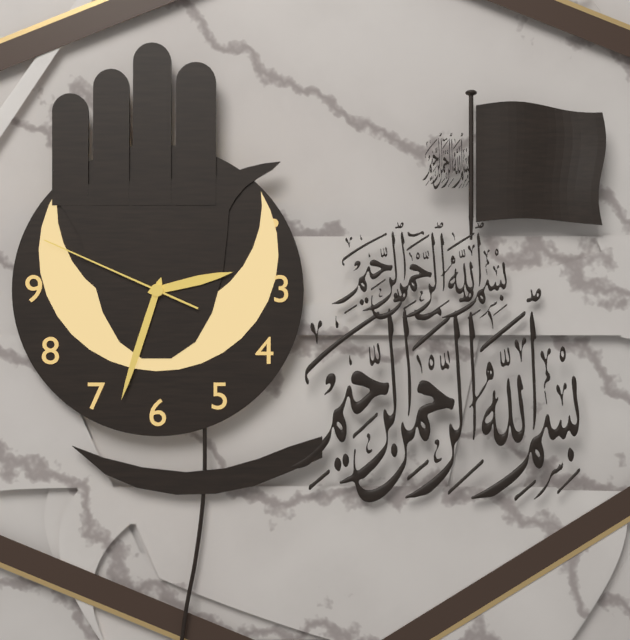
2,33,49
